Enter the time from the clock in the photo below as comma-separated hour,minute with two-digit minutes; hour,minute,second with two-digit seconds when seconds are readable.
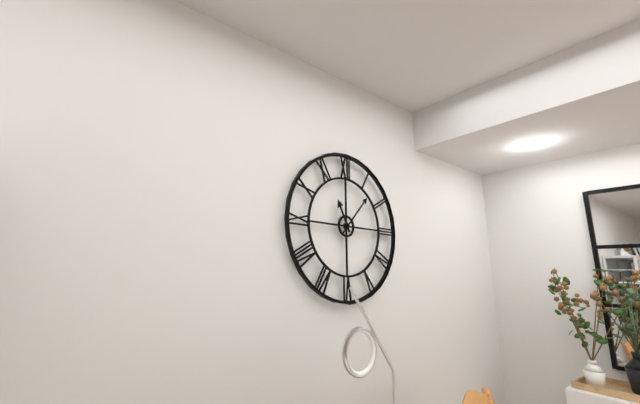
11,07
